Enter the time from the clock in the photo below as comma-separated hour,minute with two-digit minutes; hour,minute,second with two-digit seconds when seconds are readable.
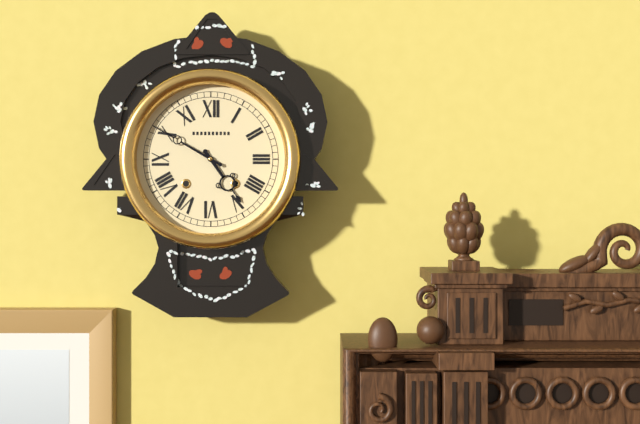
4,50
